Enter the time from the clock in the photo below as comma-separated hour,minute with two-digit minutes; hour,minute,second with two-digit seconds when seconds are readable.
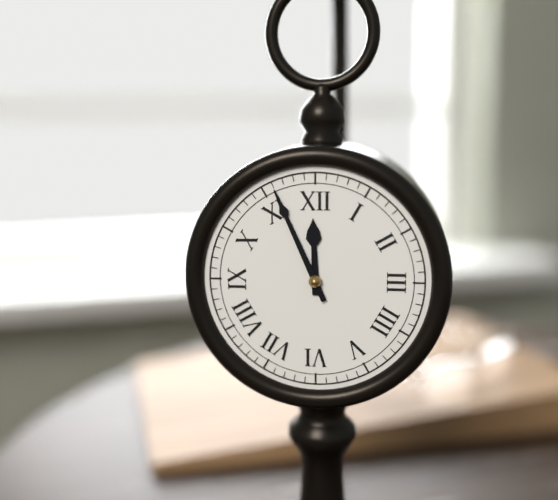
11,56
